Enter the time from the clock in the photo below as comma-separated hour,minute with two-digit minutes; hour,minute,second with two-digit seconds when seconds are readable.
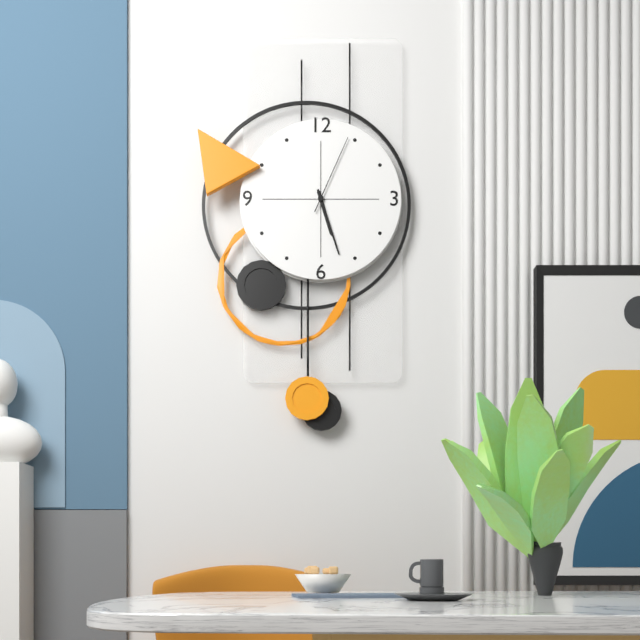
5,27,04
